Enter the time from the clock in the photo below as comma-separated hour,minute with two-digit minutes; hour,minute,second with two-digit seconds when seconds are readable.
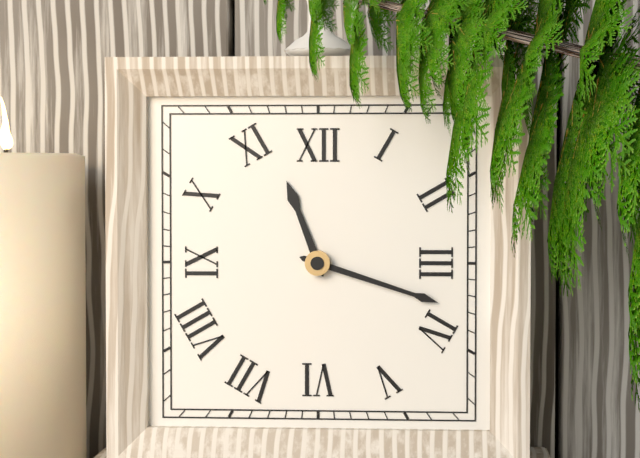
11,18
